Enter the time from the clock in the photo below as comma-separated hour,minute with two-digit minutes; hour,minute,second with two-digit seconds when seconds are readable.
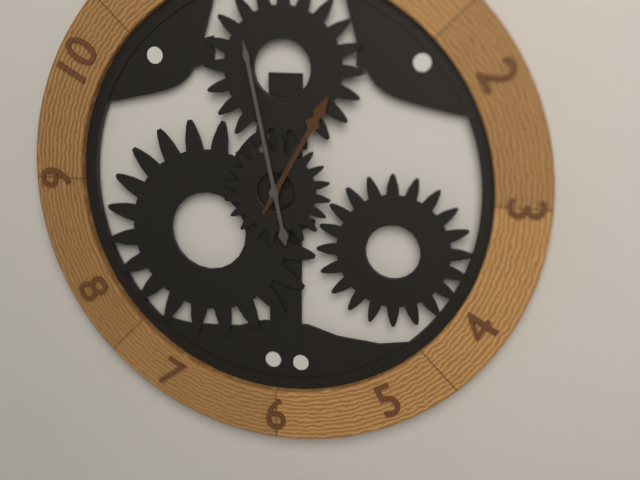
12,58
